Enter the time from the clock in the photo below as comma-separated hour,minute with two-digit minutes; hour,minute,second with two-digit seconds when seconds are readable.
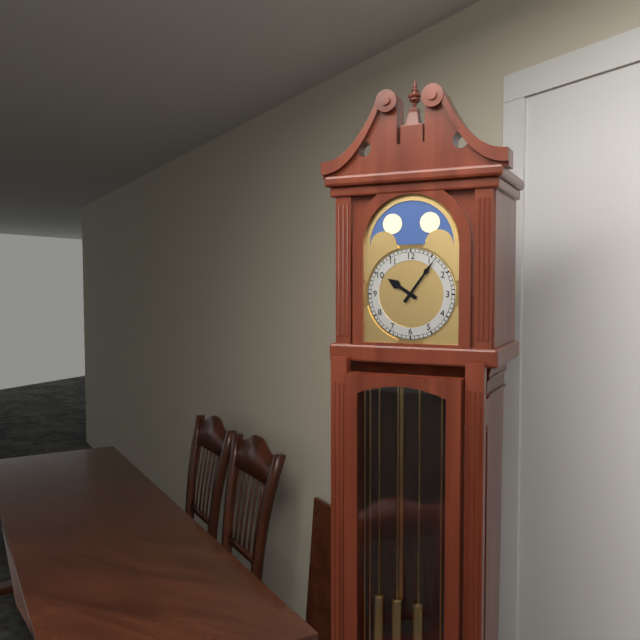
10,06
